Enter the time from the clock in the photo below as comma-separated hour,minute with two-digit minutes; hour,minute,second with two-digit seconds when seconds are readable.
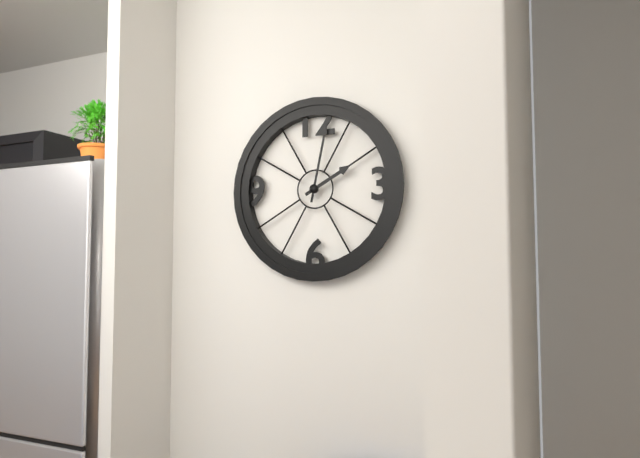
2,02
